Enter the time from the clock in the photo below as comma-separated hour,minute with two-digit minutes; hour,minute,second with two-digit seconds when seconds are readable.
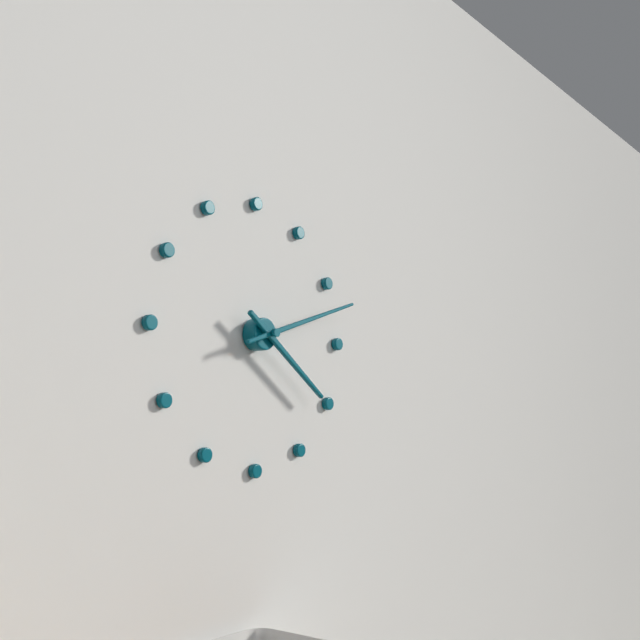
4,12
